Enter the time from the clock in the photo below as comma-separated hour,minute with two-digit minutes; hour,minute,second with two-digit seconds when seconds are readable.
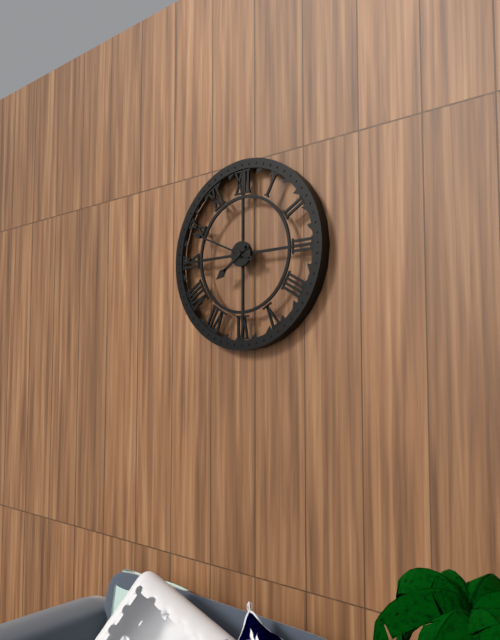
7,49
